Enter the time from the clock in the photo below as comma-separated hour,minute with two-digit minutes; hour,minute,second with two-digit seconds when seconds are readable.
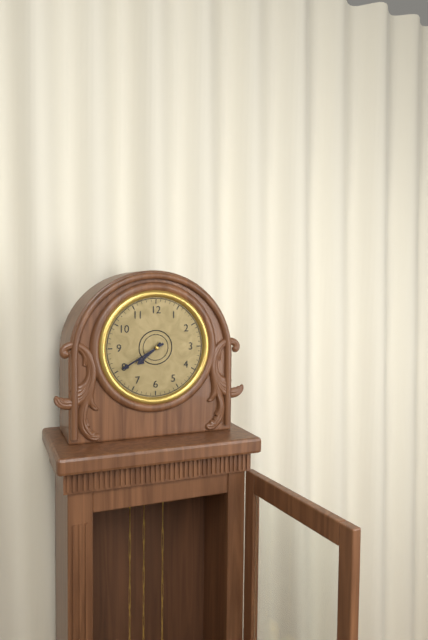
7,40
